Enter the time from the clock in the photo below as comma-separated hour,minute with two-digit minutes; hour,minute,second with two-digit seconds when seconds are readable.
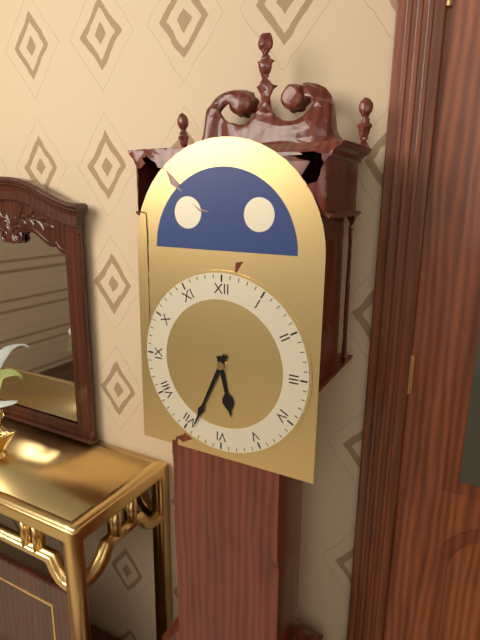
5,34
